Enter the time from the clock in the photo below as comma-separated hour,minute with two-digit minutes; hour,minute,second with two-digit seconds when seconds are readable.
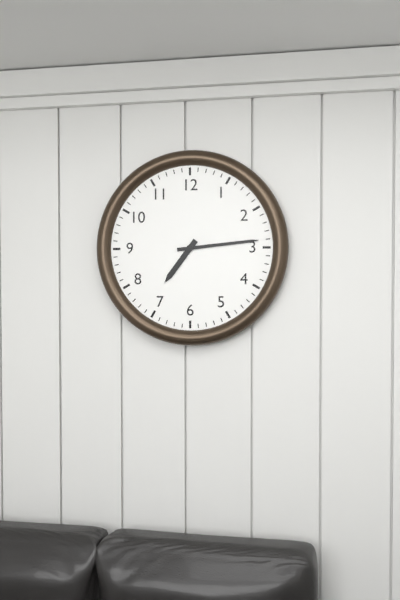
7,14
